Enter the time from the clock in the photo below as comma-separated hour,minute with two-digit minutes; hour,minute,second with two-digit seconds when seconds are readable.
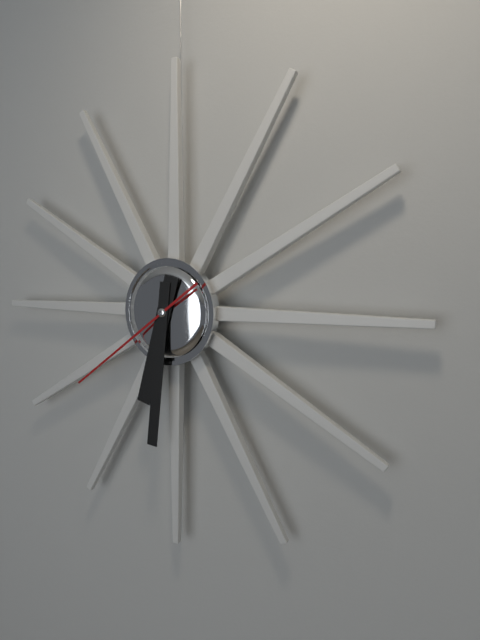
6,31,39
